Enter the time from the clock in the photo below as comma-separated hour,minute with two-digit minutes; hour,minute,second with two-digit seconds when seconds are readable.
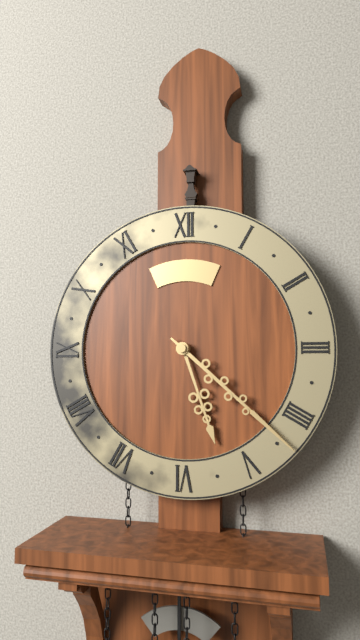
5,22
